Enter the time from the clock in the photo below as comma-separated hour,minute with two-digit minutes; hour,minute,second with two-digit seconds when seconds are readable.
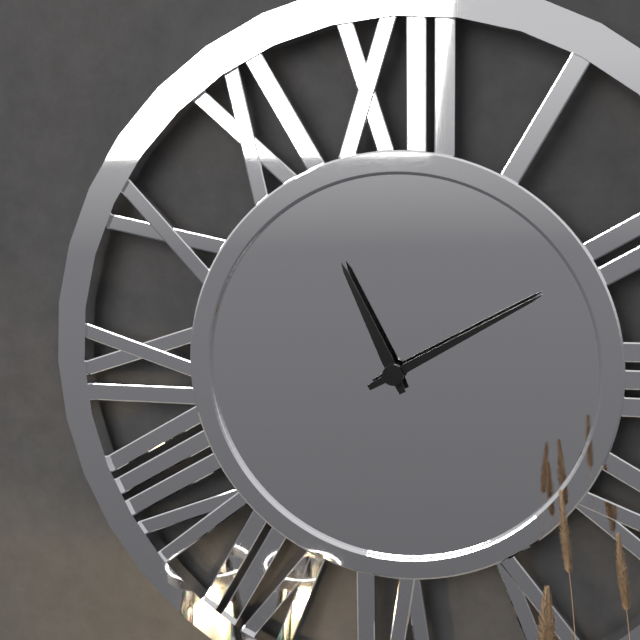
11,10
